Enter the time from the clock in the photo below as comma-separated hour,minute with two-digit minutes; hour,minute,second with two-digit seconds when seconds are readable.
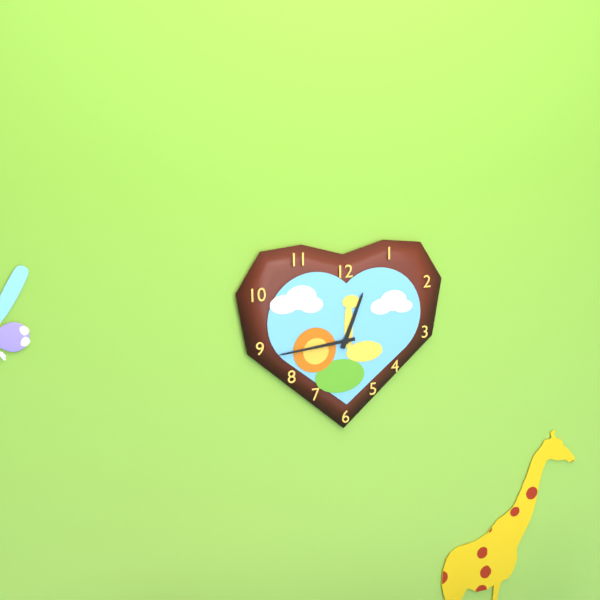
12,44
